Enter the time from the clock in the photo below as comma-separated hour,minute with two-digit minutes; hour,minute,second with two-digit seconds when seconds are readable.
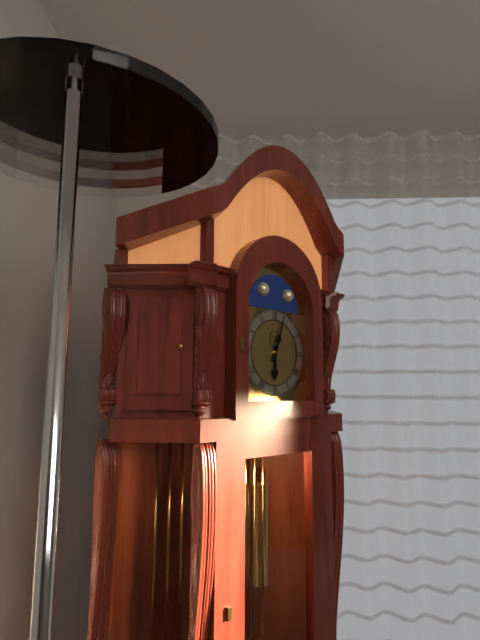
6,03
